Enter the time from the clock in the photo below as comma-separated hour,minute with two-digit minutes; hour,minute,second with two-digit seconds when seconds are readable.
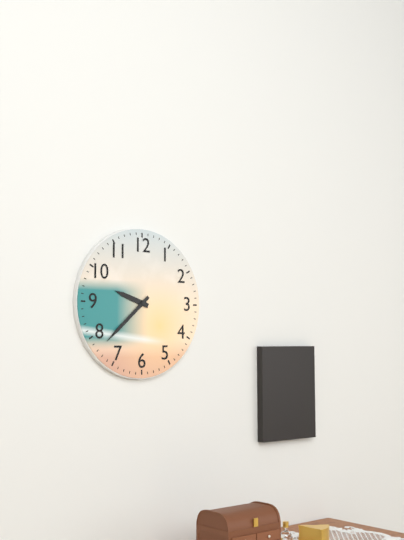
9,38
